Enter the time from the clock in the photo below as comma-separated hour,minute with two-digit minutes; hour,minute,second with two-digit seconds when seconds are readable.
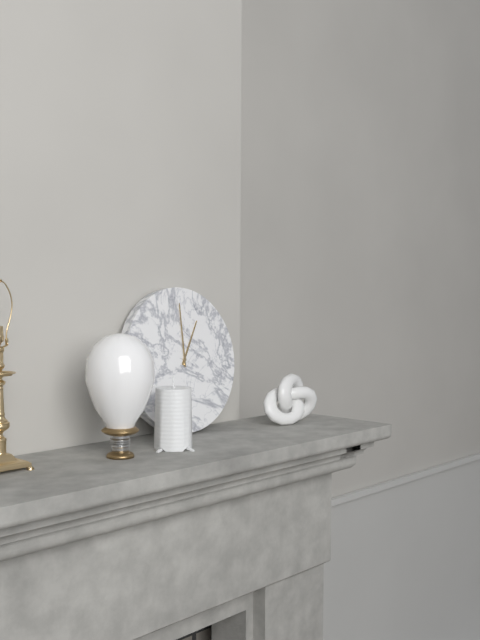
1,00
